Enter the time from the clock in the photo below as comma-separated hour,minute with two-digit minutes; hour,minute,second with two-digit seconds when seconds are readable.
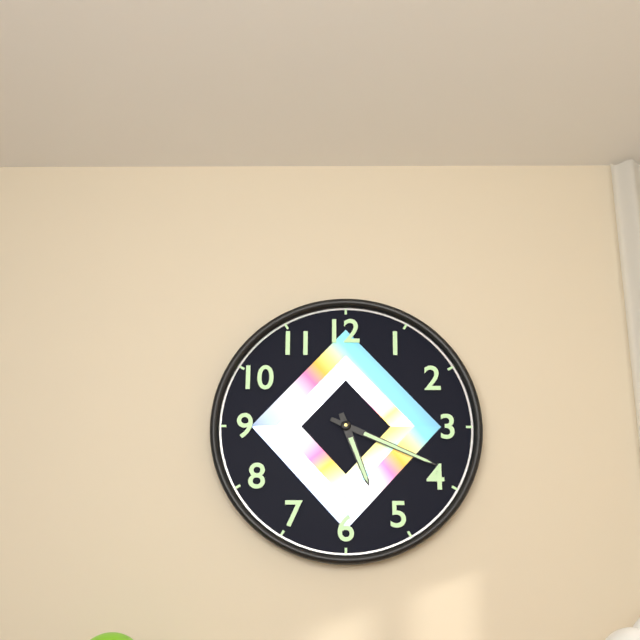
5,19
